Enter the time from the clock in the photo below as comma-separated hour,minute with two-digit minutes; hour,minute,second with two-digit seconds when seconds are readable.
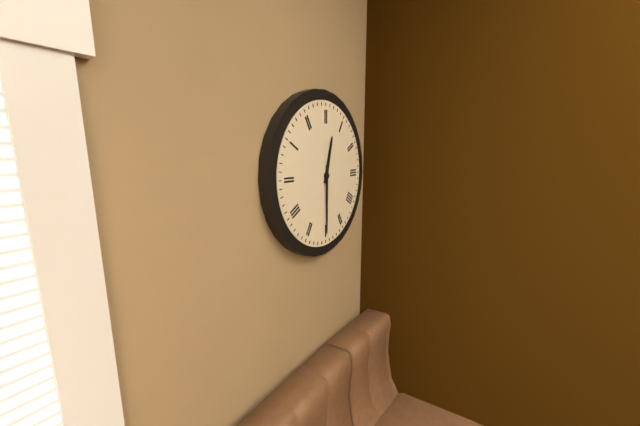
12,30
